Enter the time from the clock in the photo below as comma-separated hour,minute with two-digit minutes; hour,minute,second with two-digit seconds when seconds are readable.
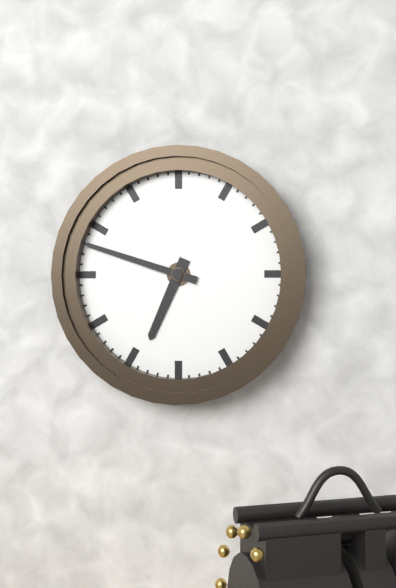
6,48
